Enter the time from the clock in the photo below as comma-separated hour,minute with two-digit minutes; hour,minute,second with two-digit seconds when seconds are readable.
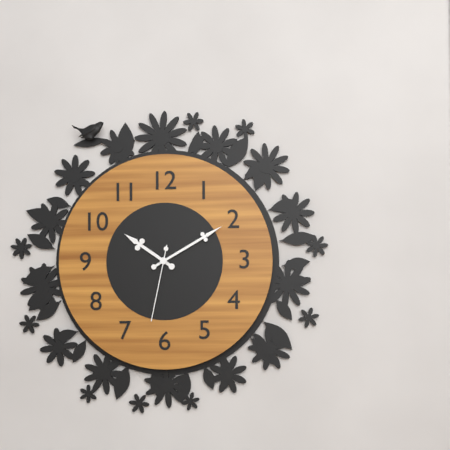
10,10,32
